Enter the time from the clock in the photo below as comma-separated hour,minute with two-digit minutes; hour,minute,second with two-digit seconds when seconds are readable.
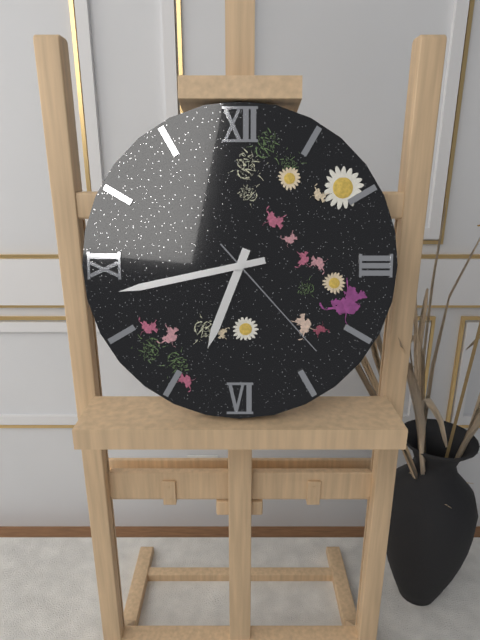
6,43,23
